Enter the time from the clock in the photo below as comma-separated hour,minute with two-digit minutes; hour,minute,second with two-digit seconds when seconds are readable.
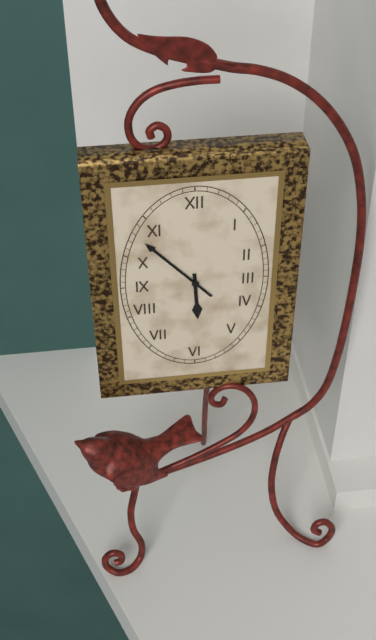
5,53
